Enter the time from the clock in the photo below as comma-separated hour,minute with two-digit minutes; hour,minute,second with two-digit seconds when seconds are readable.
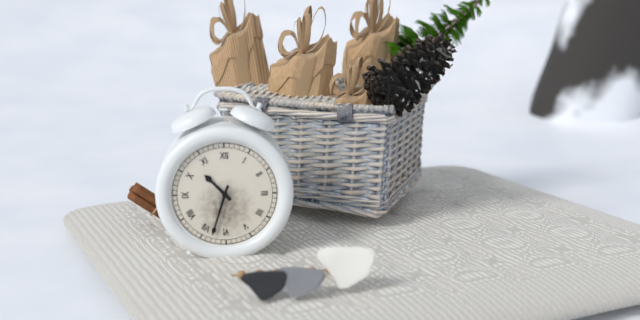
10,33
